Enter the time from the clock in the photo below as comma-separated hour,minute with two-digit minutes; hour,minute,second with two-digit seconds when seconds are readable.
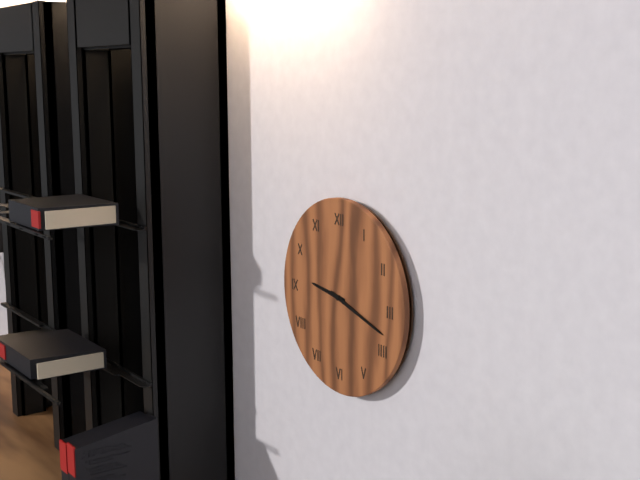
9,18
